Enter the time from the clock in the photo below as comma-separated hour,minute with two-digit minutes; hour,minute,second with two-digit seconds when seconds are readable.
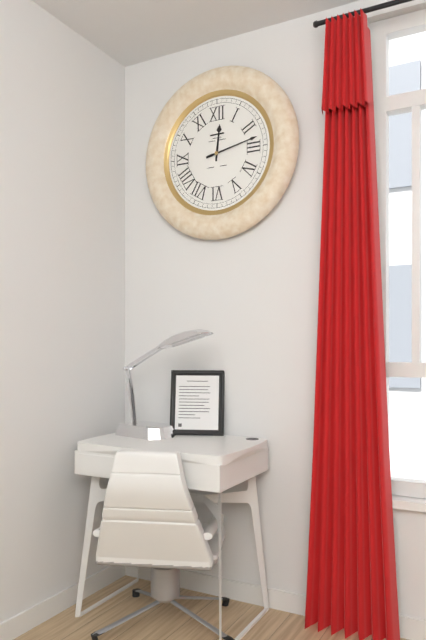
12,13
